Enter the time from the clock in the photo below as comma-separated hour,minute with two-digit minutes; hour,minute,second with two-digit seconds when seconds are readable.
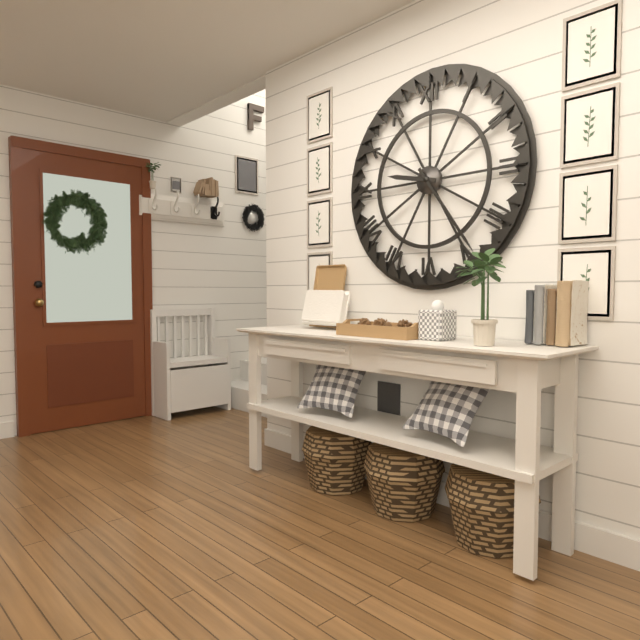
9,24
